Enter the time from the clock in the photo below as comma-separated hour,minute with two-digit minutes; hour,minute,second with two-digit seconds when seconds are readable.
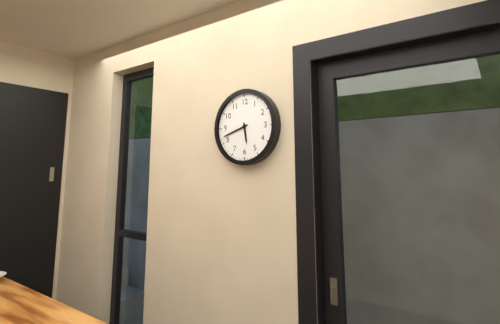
5,42
